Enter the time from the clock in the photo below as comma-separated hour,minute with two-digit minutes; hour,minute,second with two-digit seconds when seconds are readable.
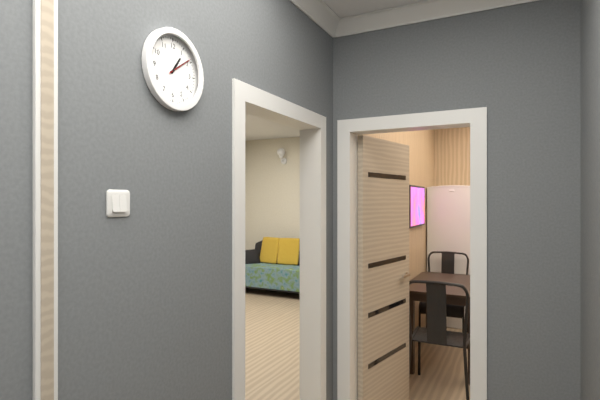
1,09
